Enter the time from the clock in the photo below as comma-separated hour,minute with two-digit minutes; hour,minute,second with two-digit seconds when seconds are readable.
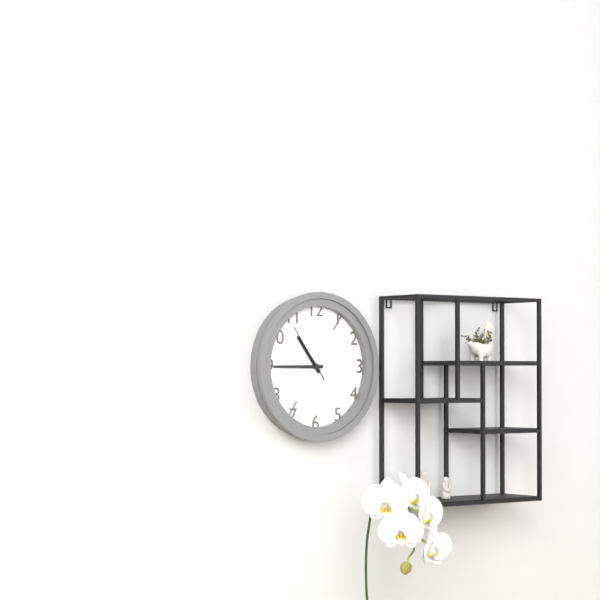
10,45,54
